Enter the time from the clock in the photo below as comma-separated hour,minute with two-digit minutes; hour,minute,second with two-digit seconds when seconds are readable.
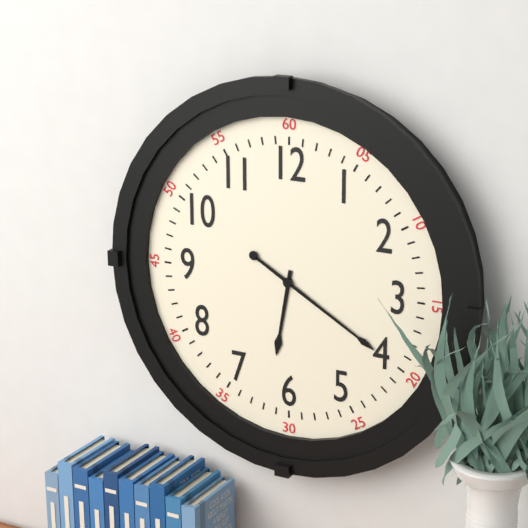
6,20
